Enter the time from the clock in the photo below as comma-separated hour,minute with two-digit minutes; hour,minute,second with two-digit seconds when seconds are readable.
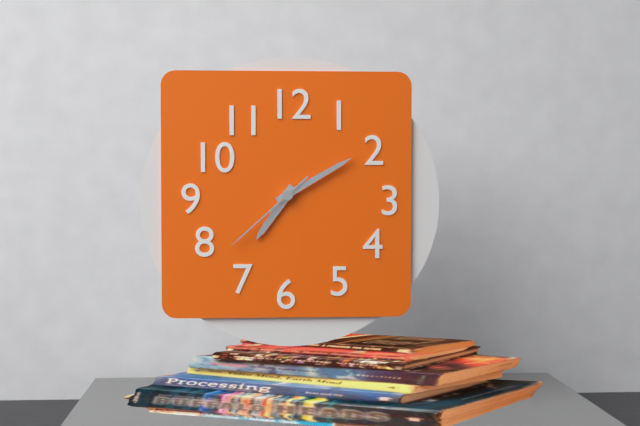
7,10,38
